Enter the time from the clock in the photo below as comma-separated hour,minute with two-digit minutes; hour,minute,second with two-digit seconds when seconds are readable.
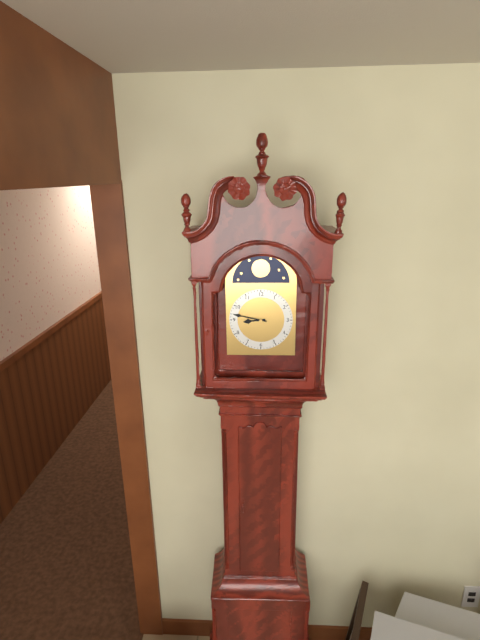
8,47
